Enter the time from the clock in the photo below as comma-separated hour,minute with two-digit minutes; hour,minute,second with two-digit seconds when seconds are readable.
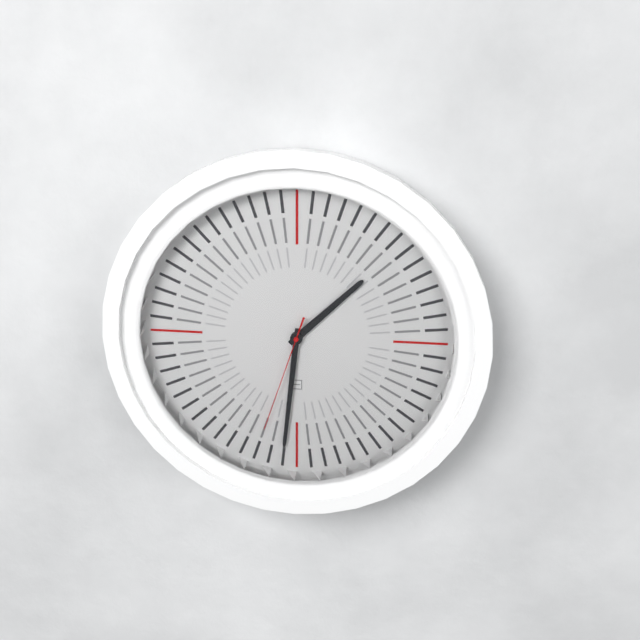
1,31,33
